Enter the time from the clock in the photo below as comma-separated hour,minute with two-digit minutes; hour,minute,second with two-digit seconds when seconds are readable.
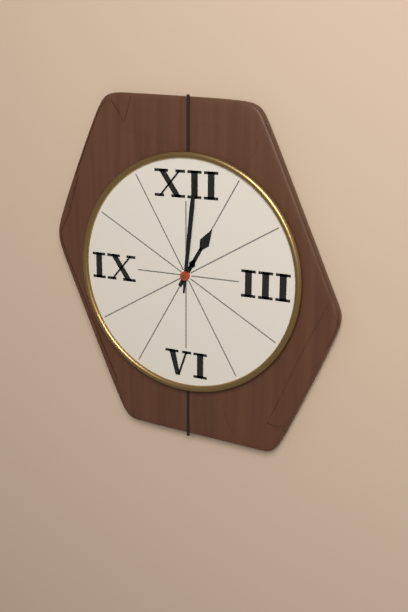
1,01
